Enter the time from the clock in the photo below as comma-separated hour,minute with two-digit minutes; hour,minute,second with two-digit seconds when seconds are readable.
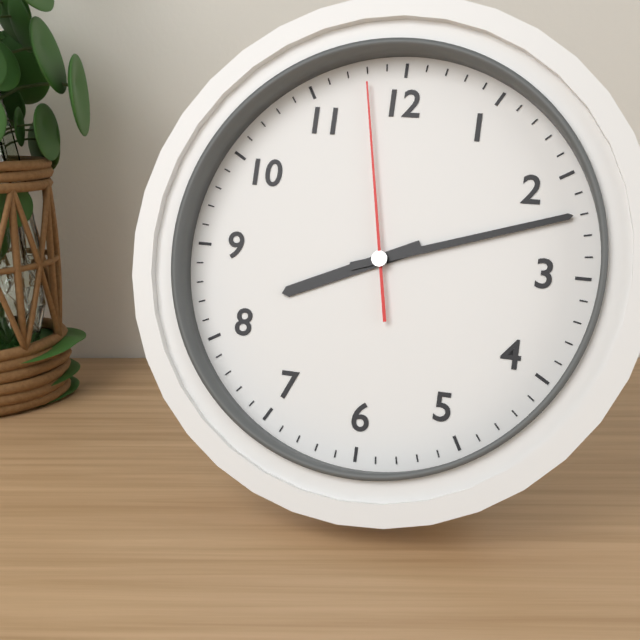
8,12,58
